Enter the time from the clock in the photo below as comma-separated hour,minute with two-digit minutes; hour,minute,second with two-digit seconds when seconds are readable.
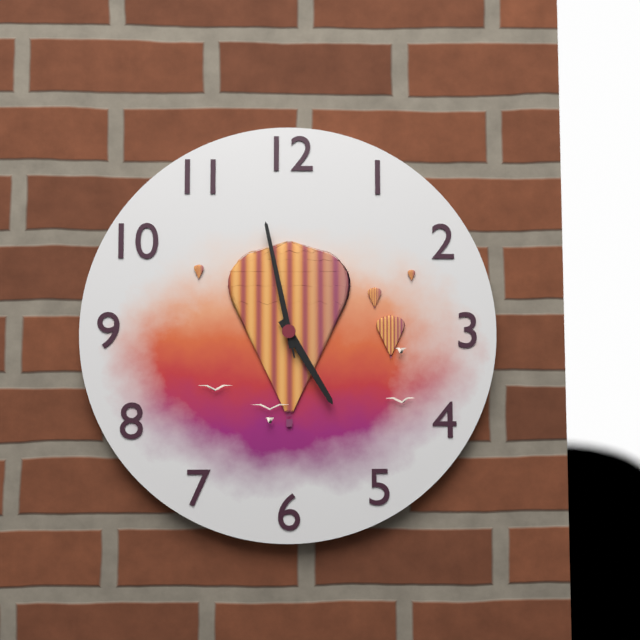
4,58,58
